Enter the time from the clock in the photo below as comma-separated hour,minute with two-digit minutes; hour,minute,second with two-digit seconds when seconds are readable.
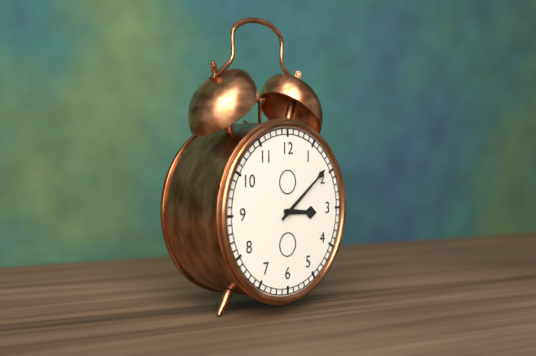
3,09
